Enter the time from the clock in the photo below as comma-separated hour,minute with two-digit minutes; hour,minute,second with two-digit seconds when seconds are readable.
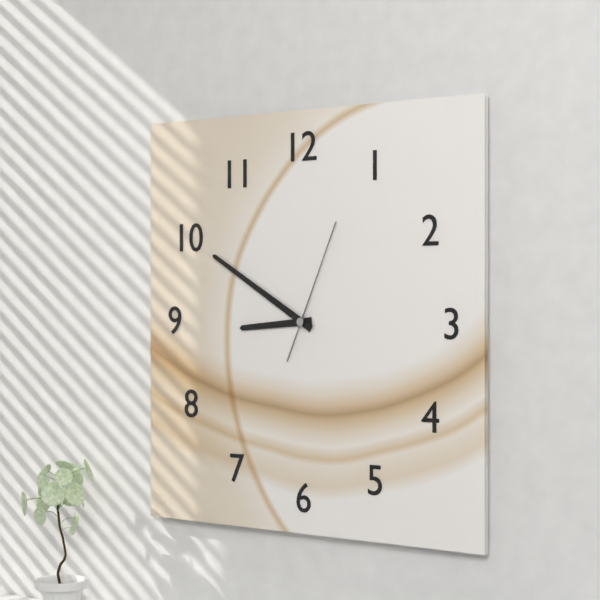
8,50,04
